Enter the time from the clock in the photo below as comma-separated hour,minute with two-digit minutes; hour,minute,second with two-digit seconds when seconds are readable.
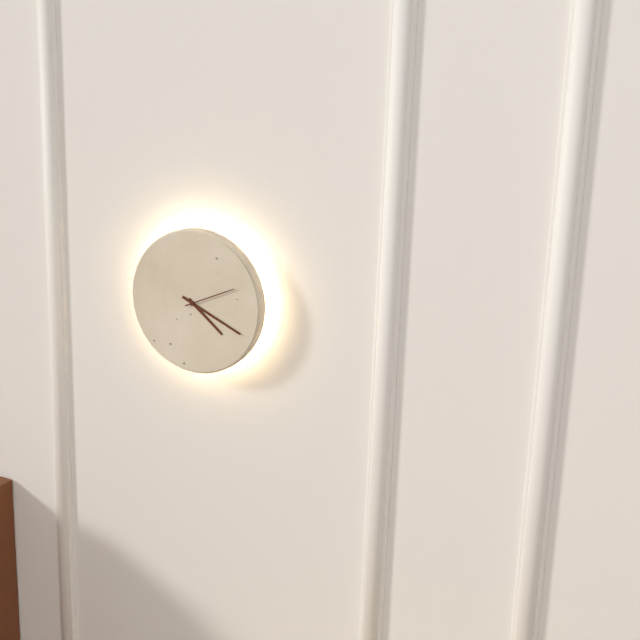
4,19,11
